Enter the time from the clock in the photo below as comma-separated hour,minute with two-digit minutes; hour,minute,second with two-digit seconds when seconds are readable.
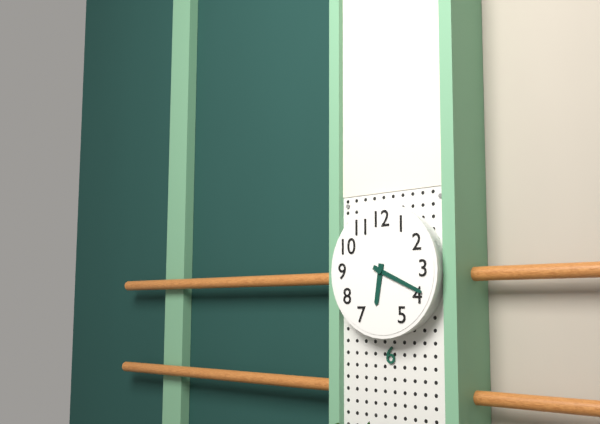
6,19
